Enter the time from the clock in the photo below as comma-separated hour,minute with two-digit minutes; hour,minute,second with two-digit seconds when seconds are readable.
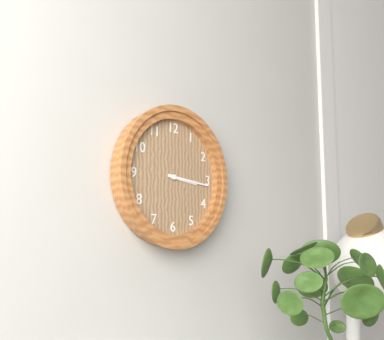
3,16
